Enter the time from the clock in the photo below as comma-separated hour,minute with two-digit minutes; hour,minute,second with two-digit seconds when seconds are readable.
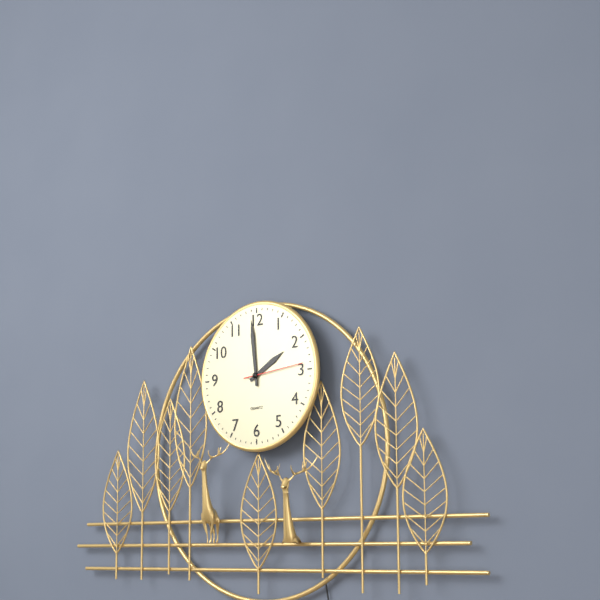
1,59,14
